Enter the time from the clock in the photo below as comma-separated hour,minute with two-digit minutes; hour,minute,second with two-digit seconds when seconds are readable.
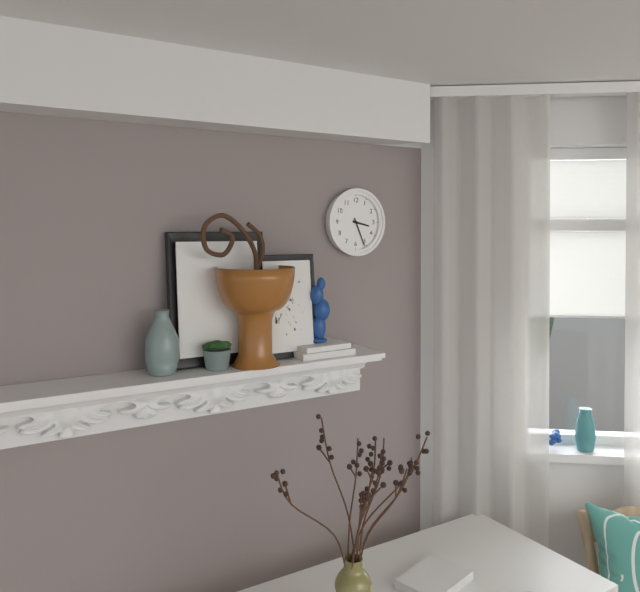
3,26
